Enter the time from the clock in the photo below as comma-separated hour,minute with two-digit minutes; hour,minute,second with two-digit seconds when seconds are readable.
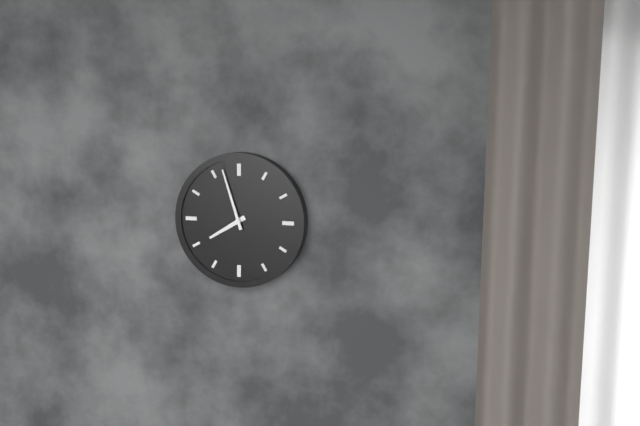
7,57
